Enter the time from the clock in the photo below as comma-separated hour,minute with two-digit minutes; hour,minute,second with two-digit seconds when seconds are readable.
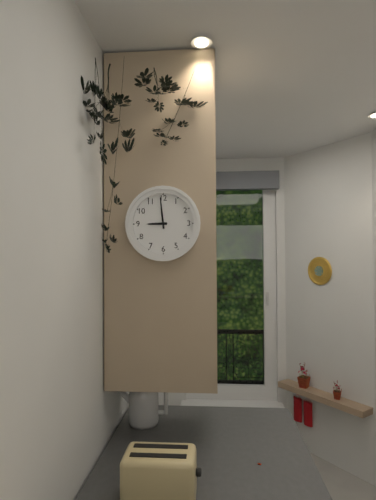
8,59
